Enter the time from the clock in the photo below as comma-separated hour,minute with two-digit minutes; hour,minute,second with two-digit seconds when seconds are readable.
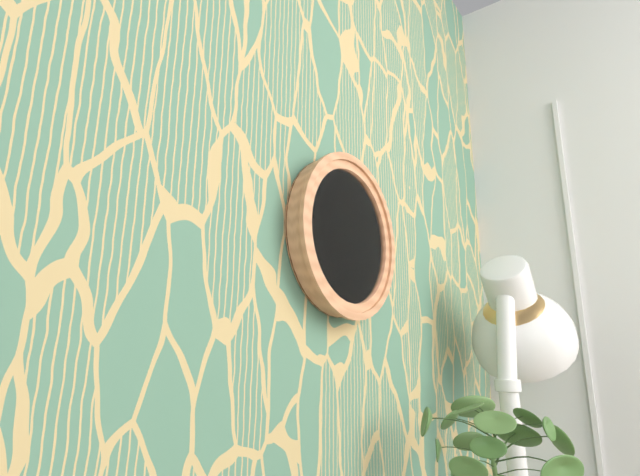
4,27
